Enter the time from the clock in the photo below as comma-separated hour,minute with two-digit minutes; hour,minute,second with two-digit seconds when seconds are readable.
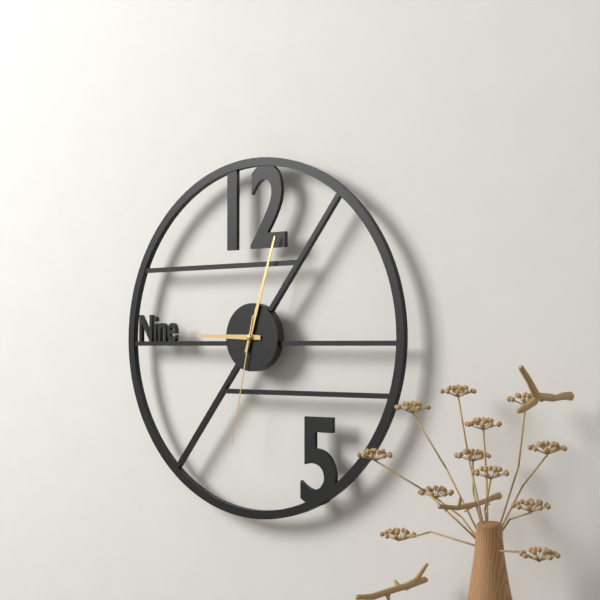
9,03,32
